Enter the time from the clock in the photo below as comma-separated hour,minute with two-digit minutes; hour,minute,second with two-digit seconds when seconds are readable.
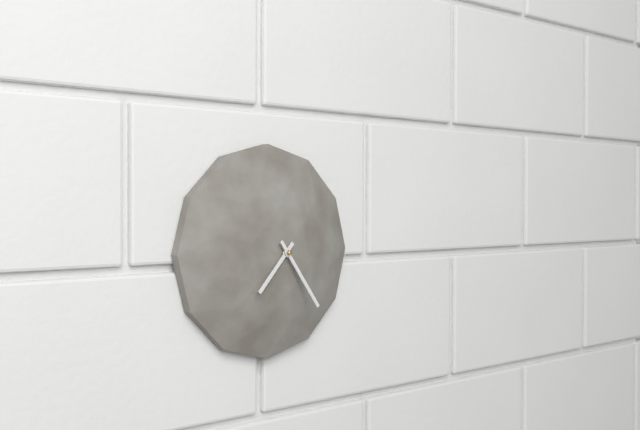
7,24
